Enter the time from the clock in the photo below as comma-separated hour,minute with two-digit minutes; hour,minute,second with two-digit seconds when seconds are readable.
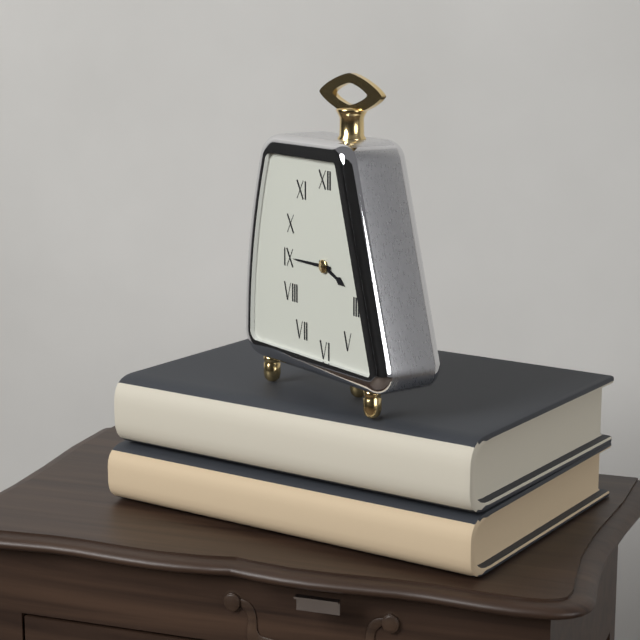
3,45
